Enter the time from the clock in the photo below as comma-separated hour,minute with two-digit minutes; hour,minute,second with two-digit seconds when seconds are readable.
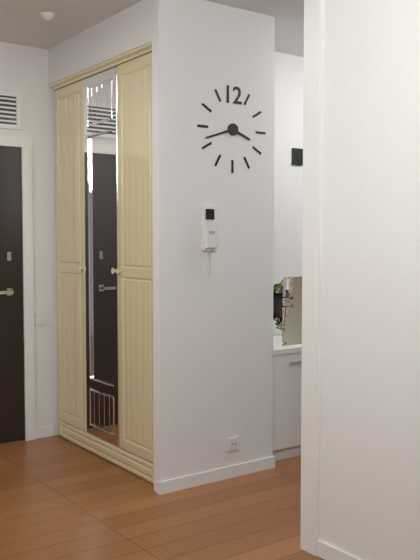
3,42
